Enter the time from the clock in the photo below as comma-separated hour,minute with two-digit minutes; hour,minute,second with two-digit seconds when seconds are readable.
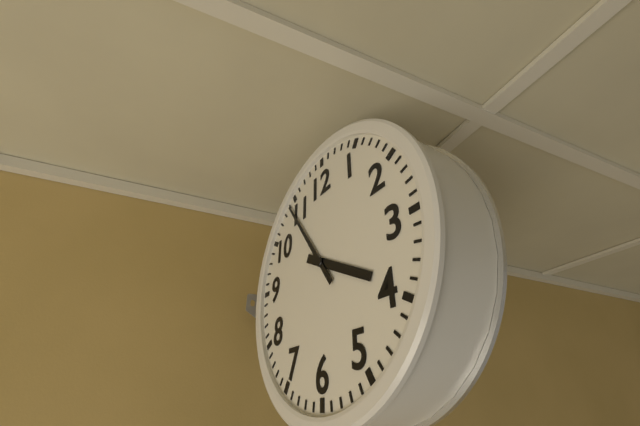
3,54
